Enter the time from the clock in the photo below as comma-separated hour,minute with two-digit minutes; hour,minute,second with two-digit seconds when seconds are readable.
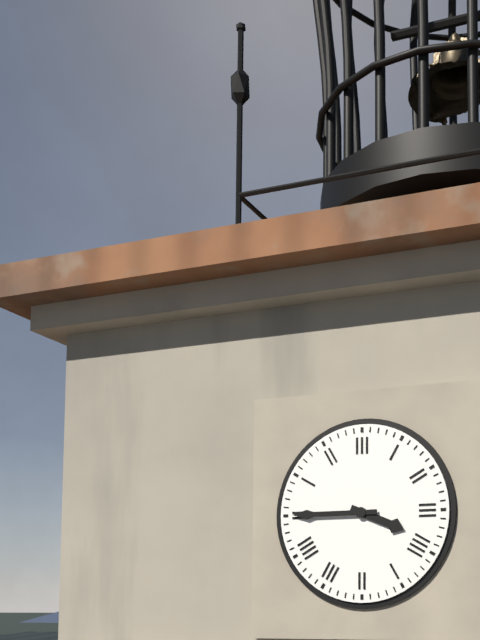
3,45
